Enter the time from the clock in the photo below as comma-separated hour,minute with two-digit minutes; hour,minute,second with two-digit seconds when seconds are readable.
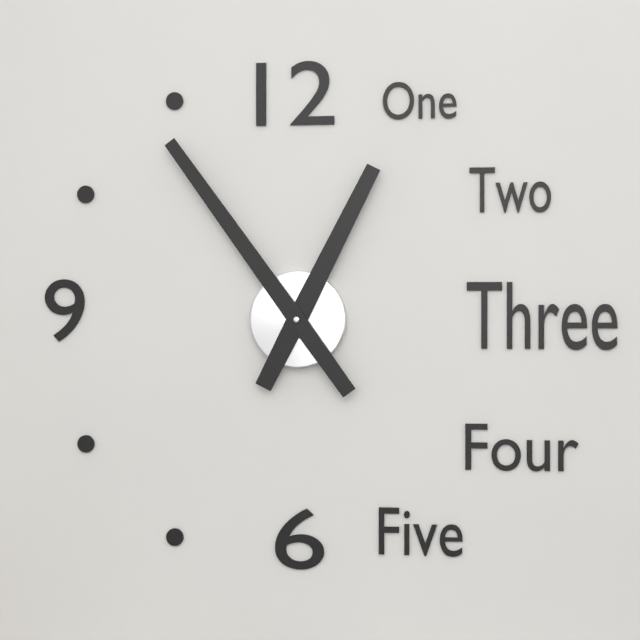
12,54
